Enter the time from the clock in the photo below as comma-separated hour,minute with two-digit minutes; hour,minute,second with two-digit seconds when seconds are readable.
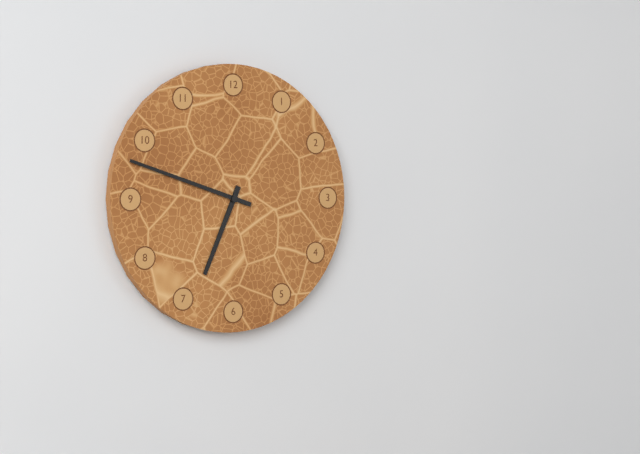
6,48
